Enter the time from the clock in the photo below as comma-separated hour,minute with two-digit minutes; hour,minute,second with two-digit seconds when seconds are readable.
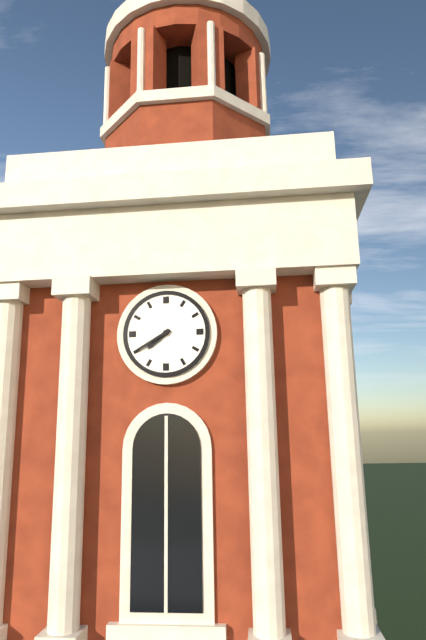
7,40
